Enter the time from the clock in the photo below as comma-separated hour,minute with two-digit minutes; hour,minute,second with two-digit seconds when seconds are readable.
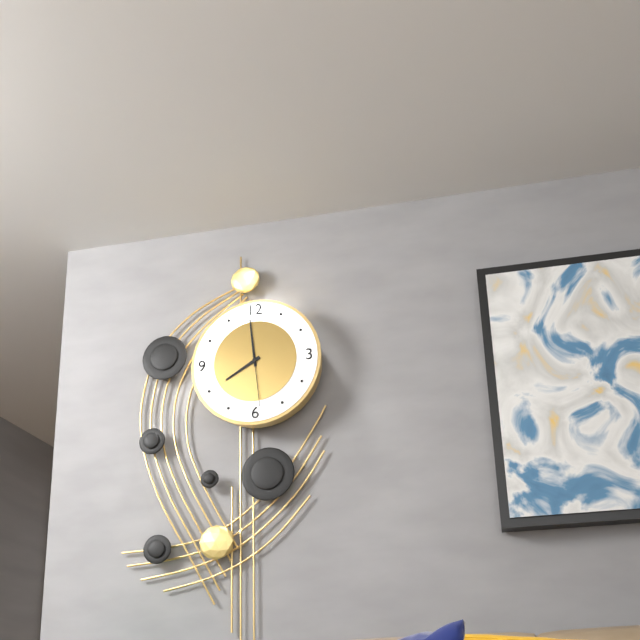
7,59,29
